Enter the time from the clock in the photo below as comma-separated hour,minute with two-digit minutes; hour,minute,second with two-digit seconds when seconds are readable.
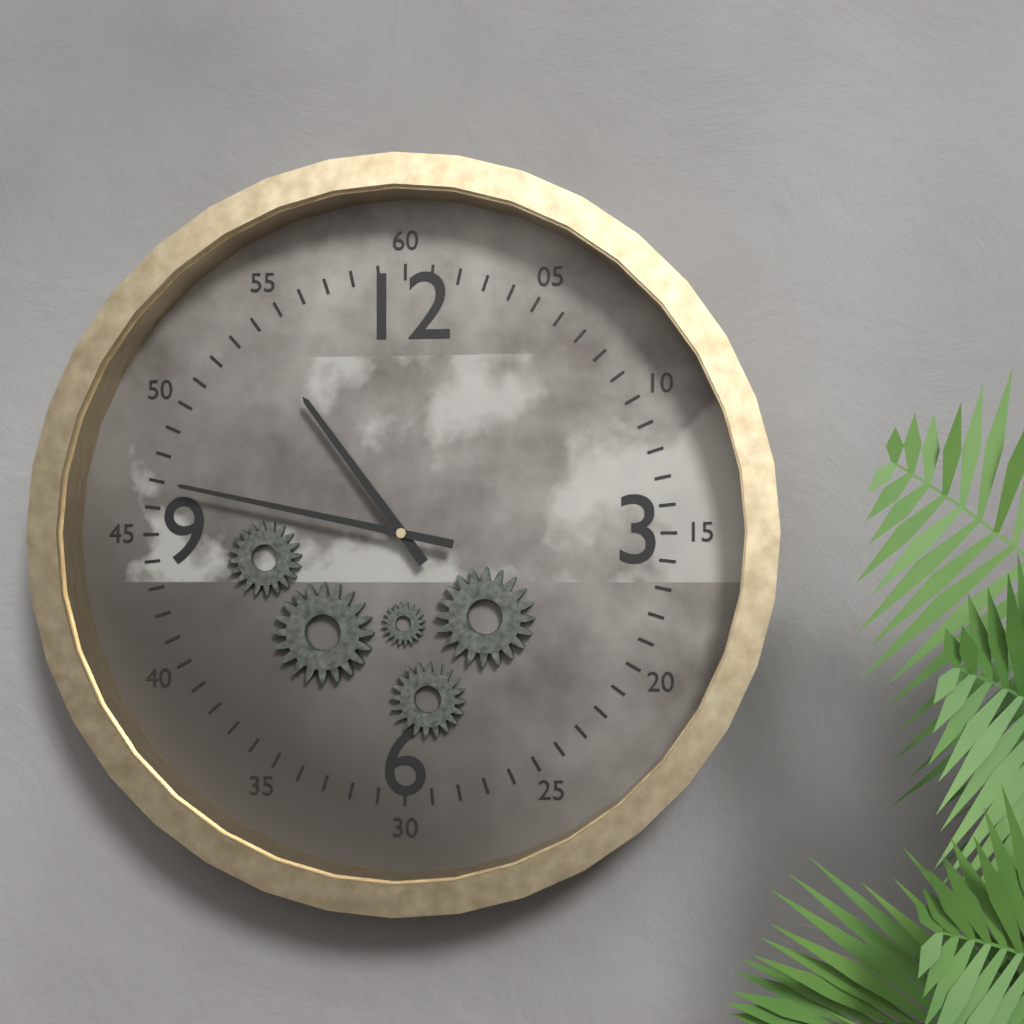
10,47
